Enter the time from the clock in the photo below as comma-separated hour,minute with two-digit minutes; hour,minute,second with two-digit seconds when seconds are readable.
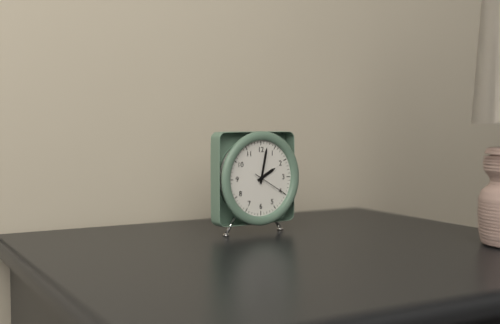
2,02
